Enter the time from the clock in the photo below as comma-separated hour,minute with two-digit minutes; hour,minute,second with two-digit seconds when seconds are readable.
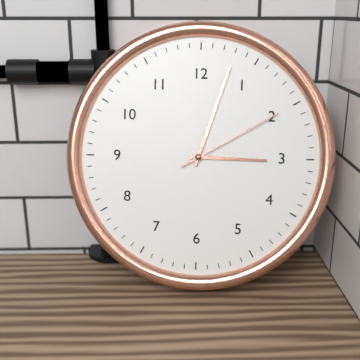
3,03,10
